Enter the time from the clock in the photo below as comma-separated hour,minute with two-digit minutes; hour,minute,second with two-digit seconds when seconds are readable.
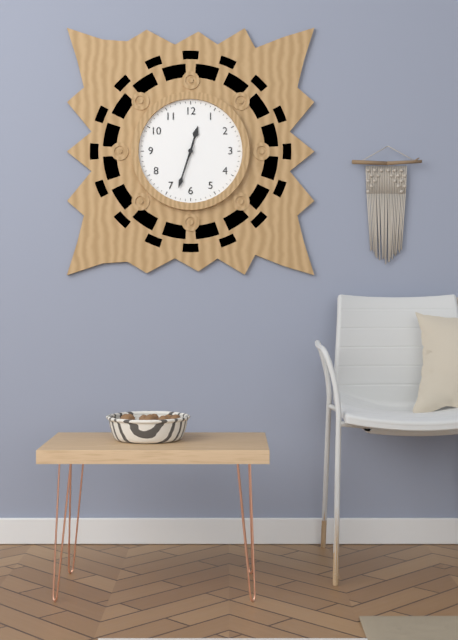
12,33
